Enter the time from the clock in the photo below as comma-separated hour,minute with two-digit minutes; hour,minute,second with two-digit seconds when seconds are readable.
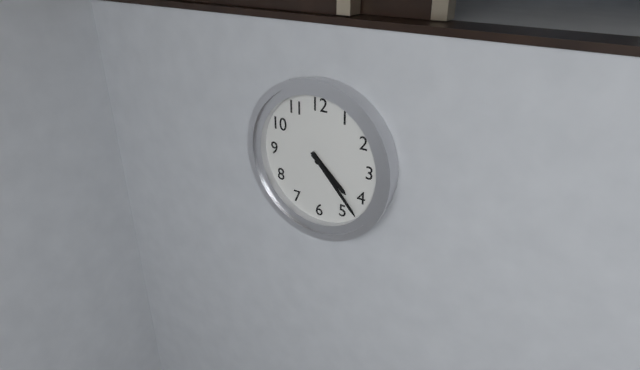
4,23
